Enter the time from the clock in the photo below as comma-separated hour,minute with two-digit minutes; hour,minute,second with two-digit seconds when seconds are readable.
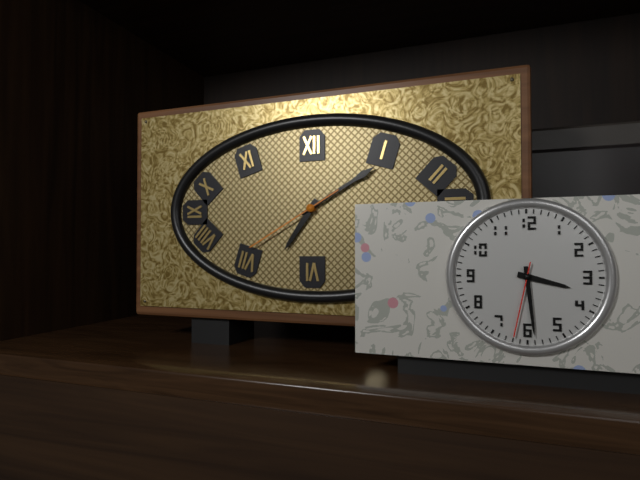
7,10,40
